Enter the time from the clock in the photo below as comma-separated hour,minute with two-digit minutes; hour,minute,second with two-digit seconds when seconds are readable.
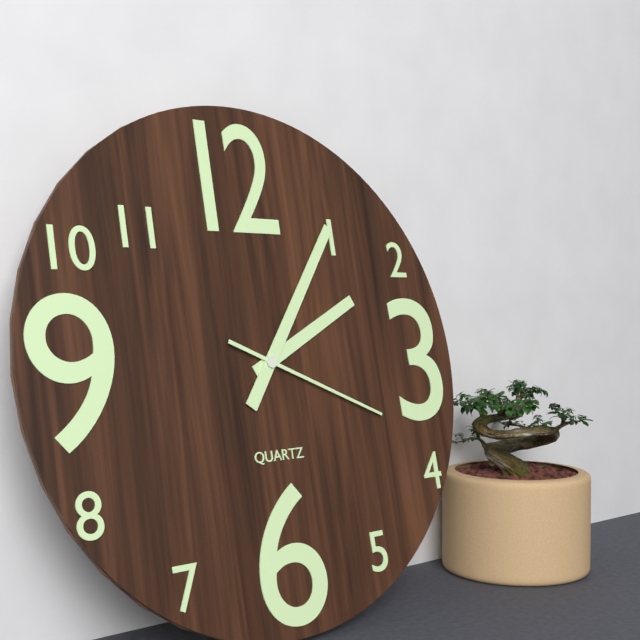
2,06,19
